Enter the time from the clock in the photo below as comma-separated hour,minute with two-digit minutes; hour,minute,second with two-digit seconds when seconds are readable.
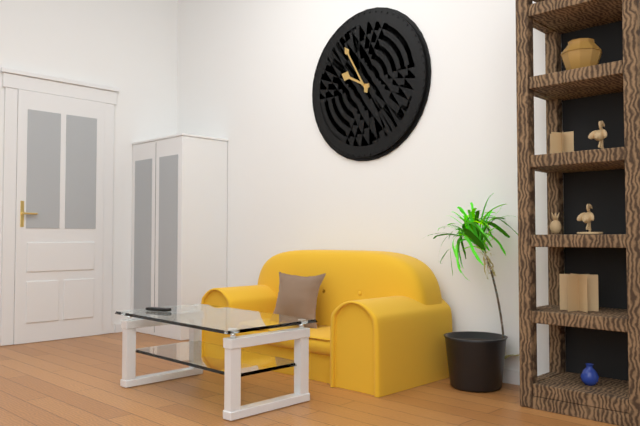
9,55
